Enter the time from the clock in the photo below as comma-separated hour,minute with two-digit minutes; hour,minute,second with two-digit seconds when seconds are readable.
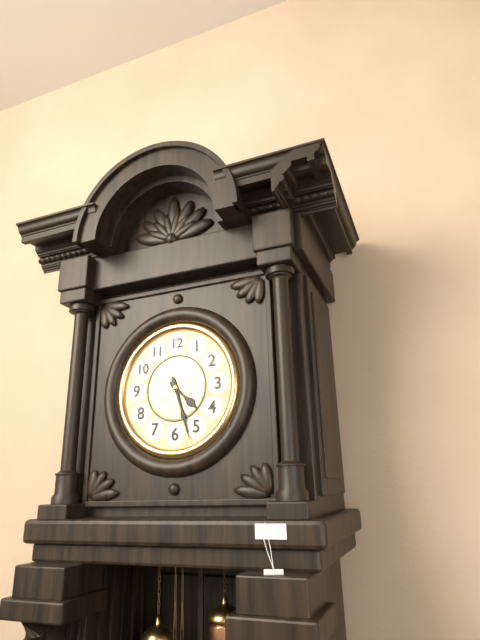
4,27
